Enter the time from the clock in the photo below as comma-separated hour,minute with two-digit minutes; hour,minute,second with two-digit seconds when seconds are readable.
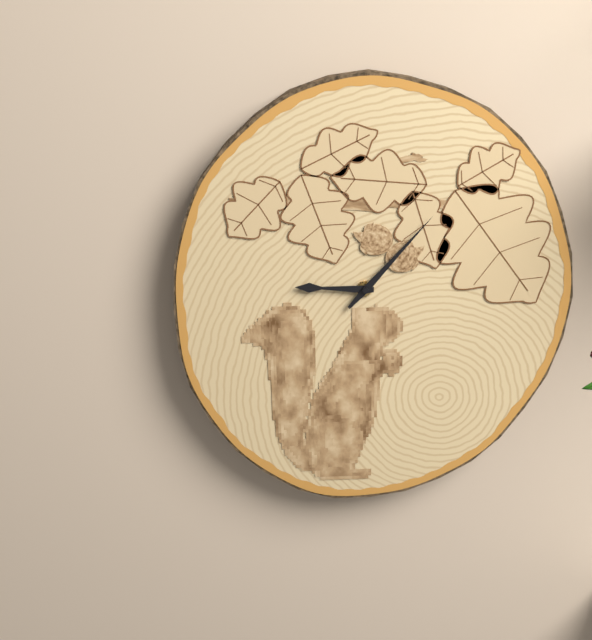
9,07
